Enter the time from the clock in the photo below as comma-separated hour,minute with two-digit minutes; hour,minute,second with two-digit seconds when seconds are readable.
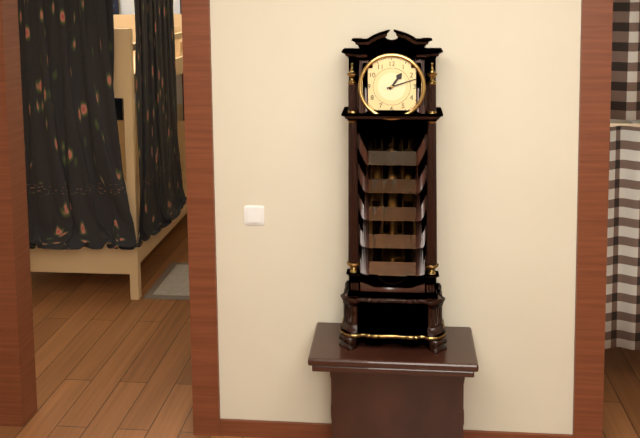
1,12
